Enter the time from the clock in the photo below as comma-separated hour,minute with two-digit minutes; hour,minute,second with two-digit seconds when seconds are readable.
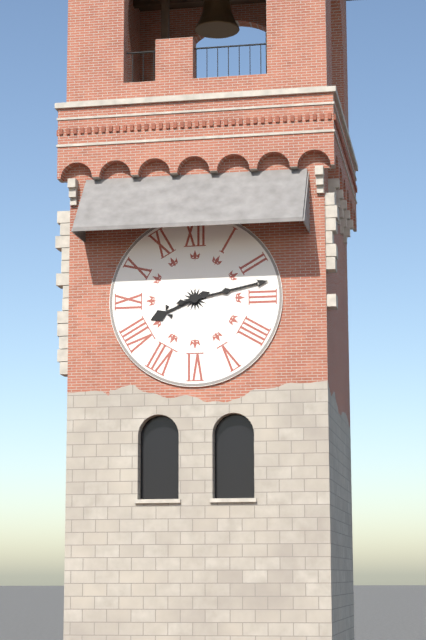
8,13
